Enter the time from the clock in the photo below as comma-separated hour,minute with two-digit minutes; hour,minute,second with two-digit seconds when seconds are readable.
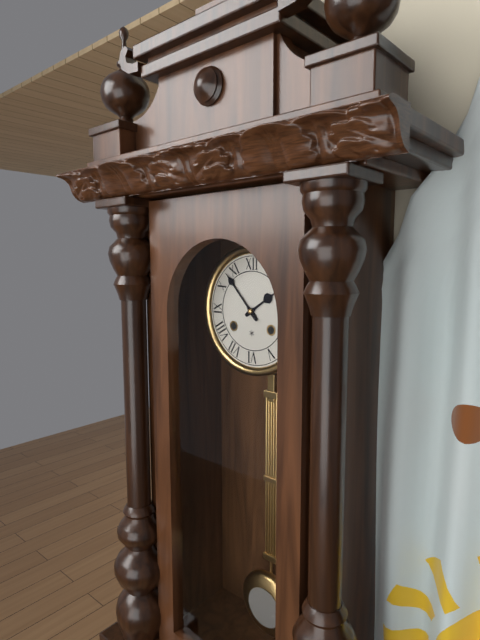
1,53
